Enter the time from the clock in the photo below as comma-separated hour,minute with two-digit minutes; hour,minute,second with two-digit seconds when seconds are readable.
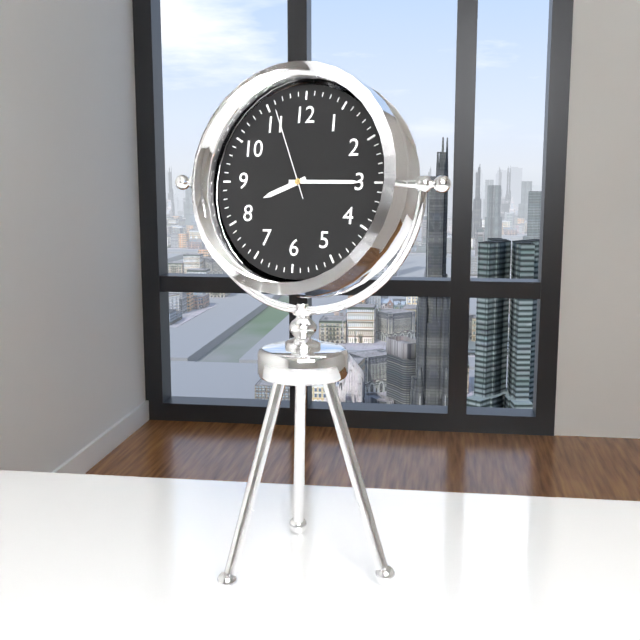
8,15,56
